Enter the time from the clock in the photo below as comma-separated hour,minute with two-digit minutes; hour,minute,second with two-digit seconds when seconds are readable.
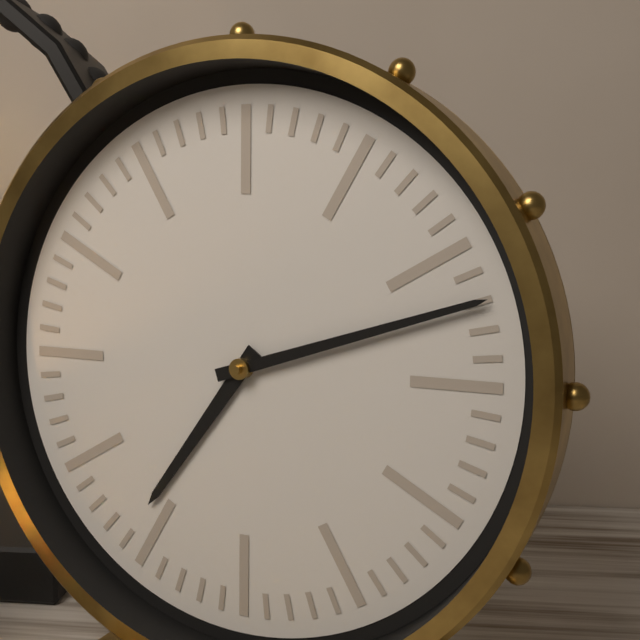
7,12
